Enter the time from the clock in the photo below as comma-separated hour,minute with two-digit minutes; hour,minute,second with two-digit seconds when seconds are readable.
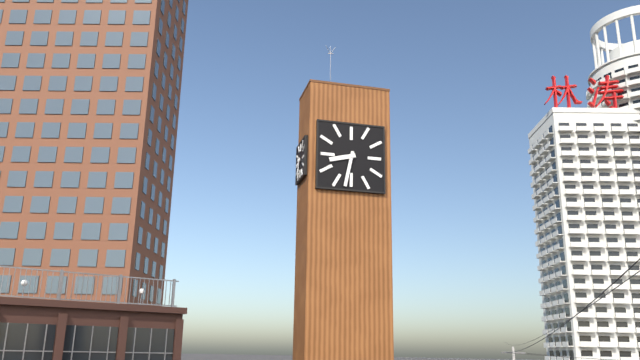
8,32
